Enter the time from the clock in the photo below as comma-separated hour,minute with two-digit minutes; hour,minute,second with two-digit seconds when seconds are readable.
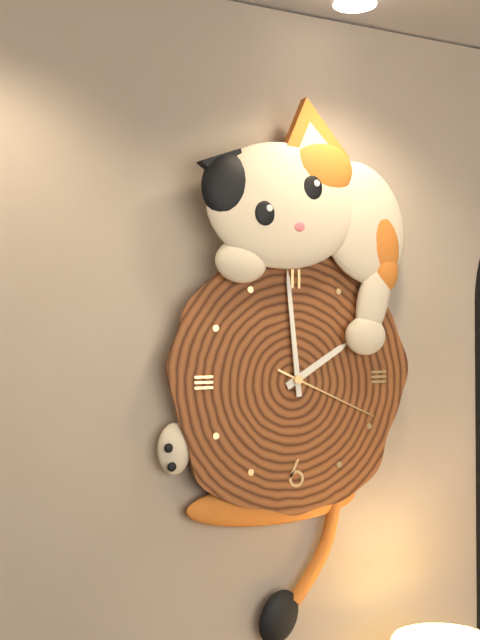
1,59,19
